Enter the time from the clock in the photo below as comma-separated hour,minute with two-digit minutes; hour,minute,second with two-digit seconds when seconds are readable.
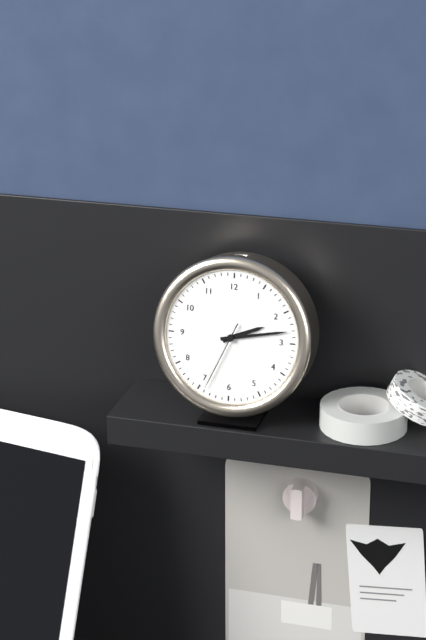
2,13,34
